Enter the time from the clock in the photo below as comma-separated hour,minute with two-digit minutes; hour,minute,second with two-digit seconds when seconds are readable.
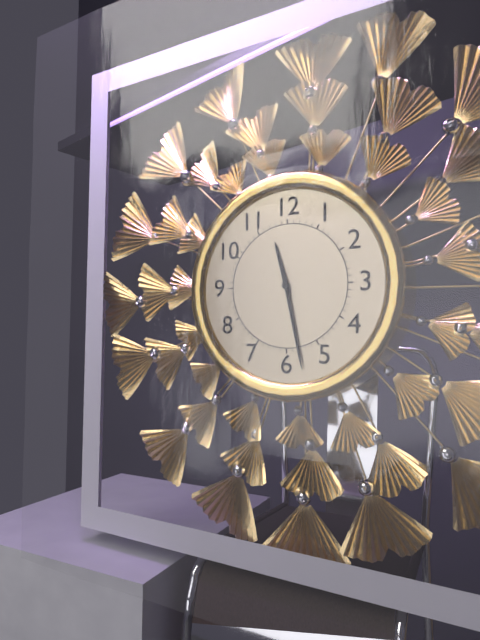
11,28
